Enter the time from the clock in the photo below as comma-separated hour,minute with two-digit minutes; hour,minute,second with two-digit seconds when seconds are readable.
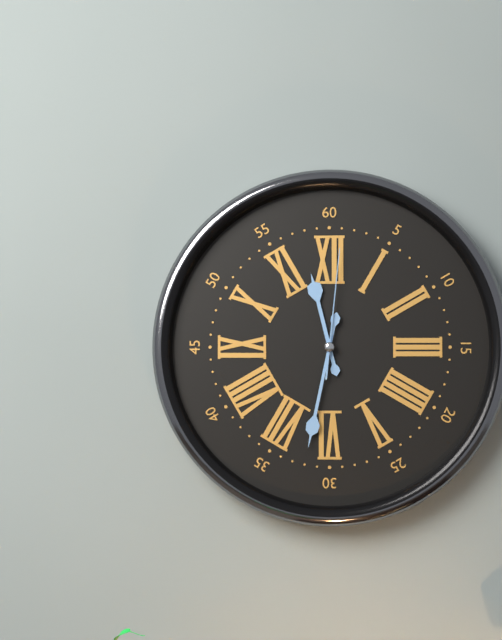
11,32,01
